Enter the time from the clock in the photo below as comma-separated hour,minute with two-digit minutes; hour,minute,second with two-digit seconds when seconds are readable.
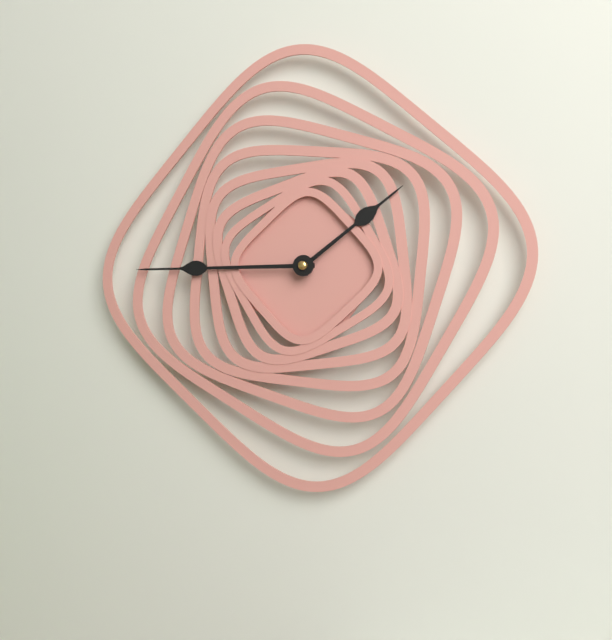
1,45
